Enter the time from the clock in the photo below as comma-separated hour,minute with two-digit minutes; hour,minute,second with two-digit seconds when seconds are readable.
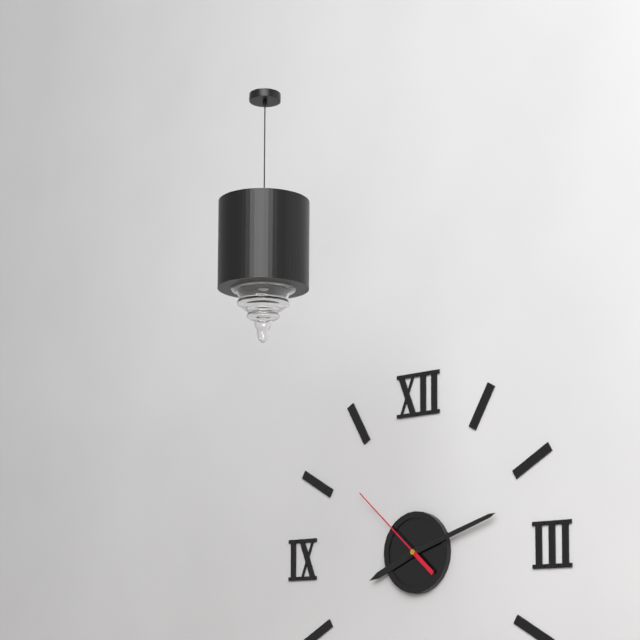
8,12,52
